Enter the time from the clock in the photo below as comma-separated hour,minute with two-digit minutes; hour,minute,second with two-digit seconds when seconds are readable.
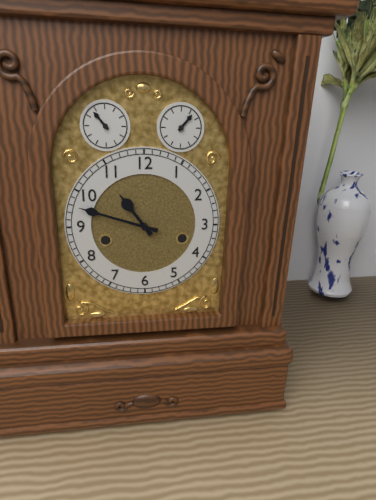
10,48
